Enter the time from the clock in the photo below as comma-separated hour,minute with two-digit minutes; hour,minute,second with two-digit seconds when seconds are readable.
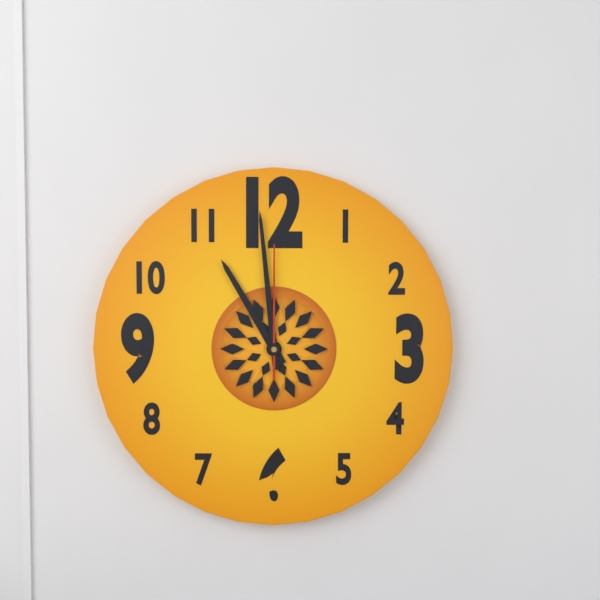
10,59,00
